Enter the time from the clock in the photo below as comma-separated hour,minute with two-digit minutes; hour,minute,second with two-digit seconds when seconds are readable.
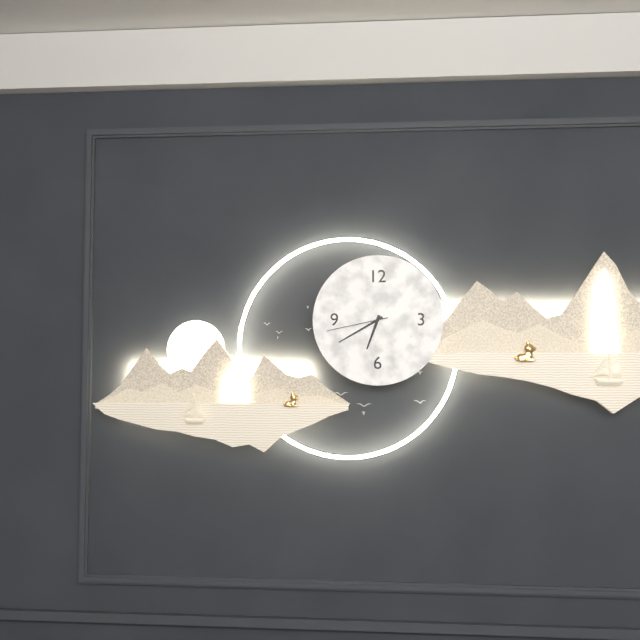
6,40,43
